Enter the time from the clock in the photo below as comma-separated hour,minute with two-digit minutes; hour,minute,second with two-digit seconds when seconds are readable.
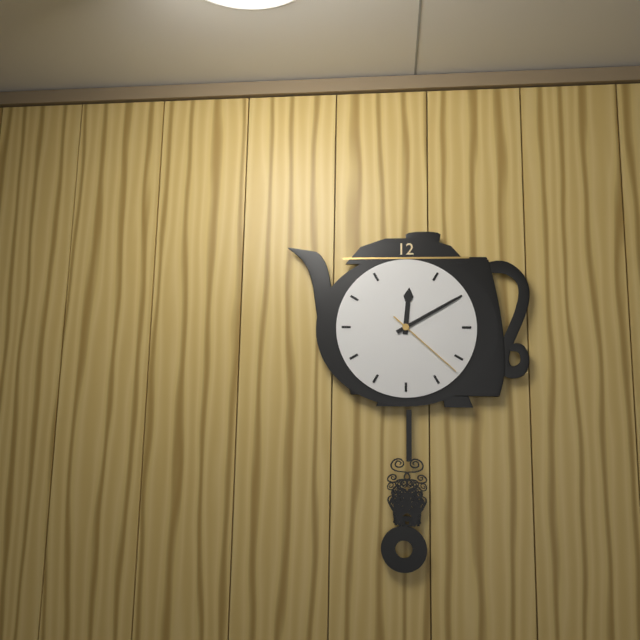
12,10,22
